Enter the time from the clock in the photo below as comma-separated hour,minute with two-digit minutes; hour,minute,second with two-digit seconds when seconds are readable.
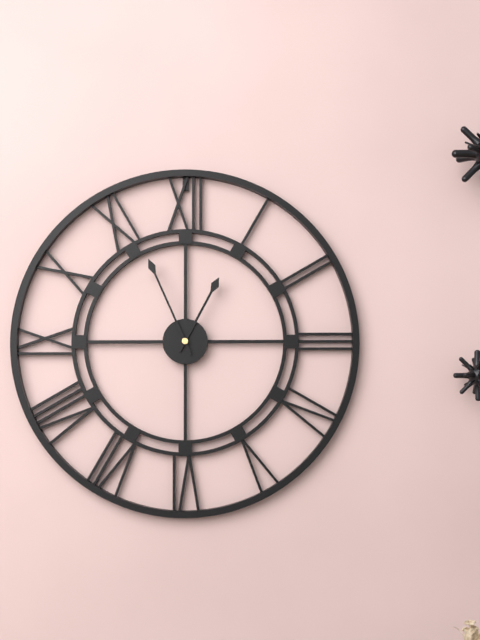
12,56
